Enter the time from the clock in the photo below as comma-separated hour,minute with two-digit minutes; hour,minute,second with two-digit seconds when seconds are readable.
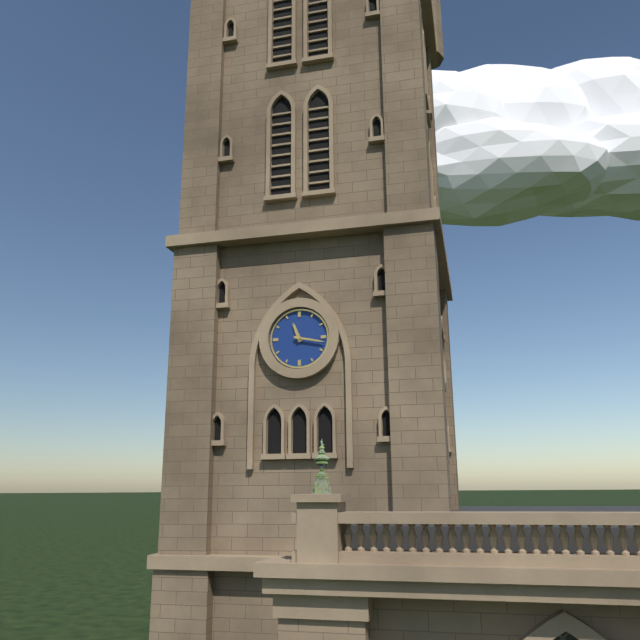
11,17
